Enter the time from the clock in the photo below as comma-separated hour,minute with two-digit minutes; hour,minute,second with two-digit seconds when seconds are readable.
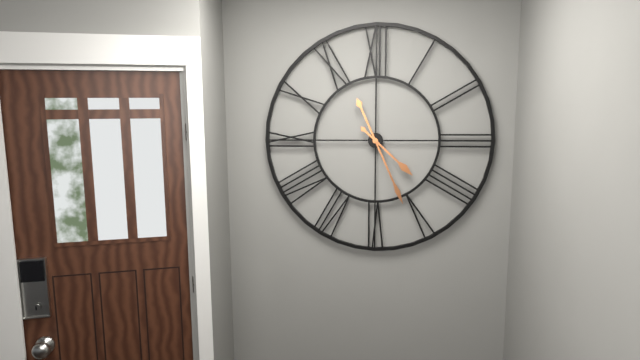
4,26
